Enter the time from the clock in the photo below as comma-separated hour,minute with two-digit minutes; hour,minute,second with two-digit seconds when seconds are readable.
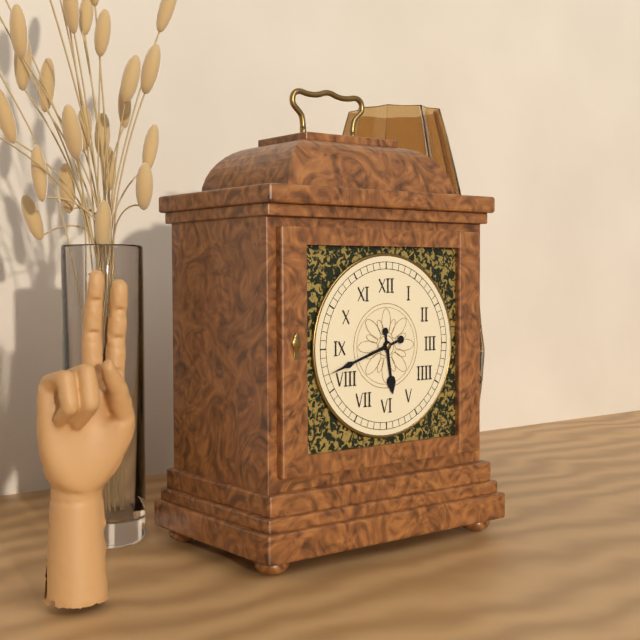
5,42
